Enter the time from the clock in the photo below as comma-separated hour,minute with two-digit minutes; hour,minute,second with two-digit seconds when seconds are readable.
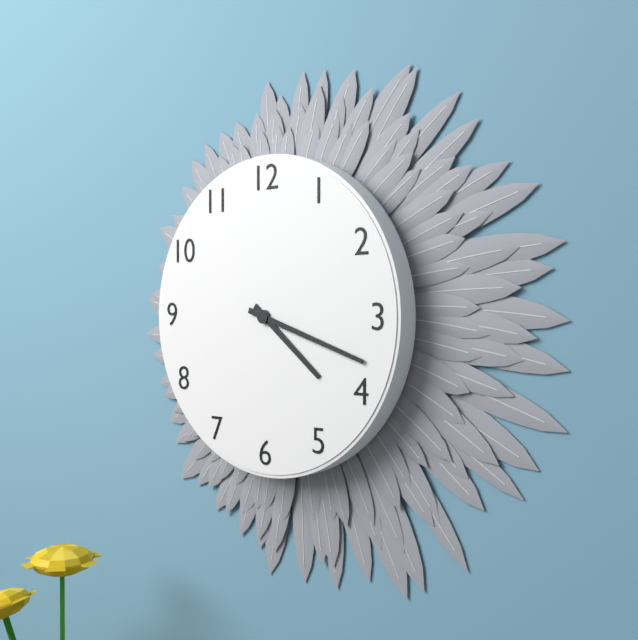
4,18
